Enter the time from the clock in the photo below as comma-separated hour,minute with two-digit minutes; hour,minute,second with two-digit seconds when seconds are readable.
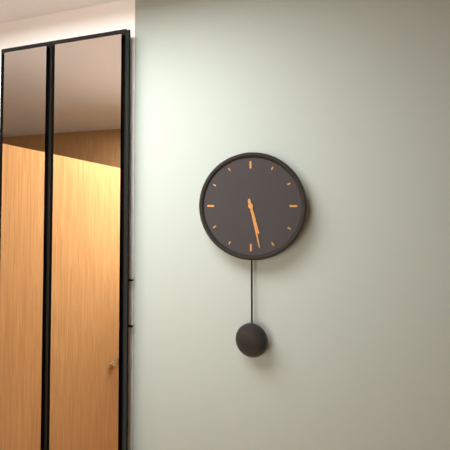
5,28
